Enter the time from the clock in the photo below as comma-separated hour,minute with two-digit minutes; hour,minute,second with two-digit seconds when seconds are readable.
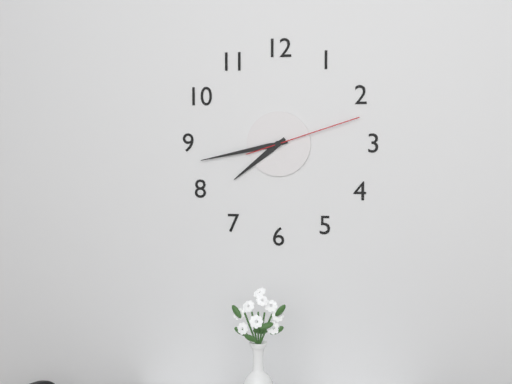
7,43,12
